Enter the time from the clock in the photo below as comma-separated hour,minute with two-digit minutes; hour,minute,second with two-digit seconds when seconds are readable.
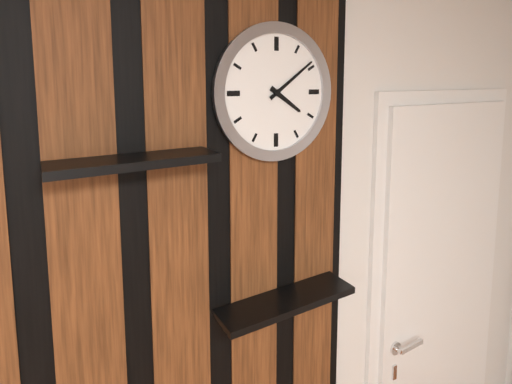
4,09
